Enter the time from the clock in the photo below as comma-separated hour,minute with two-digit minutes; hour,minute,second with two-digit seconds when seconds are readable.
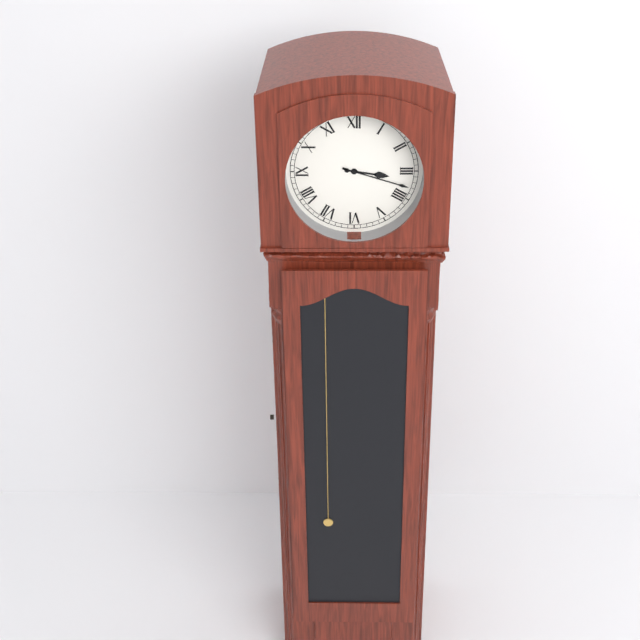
3,18
